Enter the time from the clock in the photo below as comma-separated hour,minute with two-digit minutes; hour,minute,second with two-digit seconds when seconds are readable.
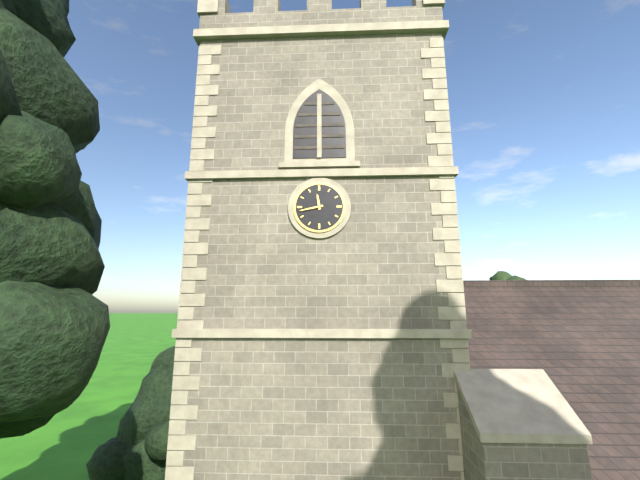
11,43
